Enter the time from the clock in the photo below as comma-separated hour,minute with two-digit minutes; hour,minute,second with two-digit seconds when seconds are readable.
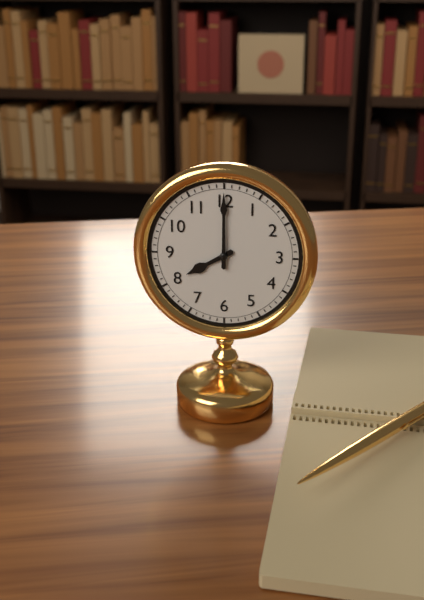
8,00
